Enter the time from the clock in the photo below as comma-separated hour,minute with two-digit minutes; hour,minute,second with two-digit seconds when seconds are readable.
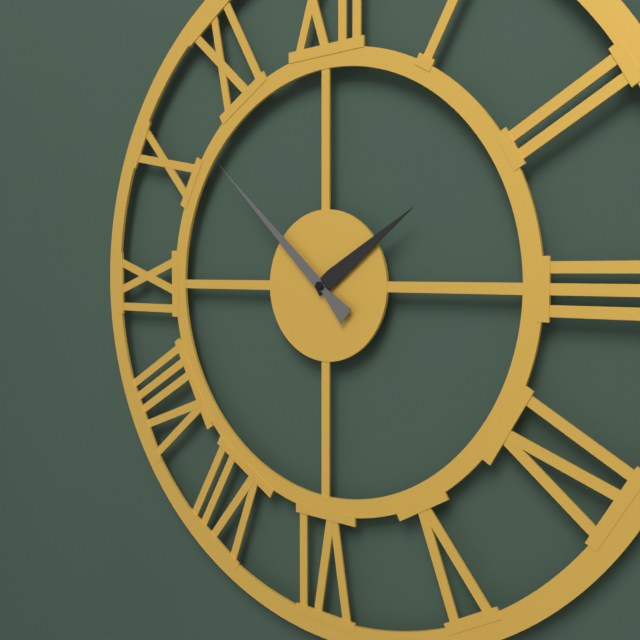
1,52
